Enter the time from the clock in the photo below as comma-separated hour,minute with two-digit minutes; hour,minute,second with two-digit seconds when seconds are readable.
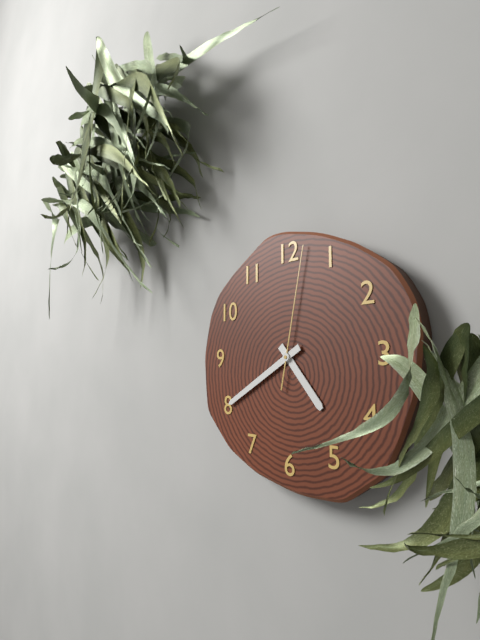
4,40,02
